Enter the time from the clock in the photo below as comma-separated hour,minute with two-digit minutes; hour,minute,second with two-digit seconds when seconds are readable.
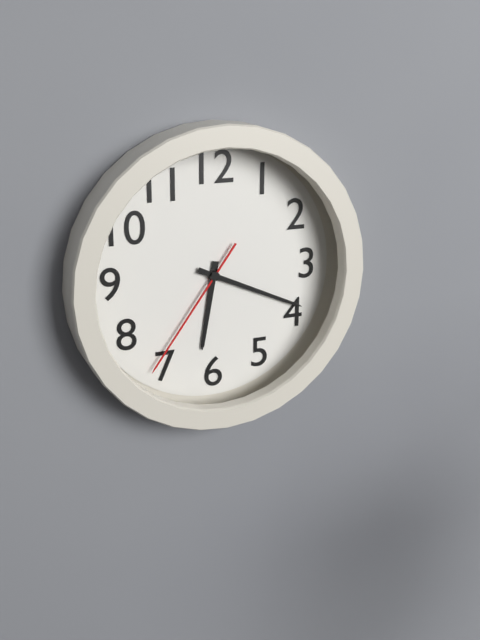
6,19,36
